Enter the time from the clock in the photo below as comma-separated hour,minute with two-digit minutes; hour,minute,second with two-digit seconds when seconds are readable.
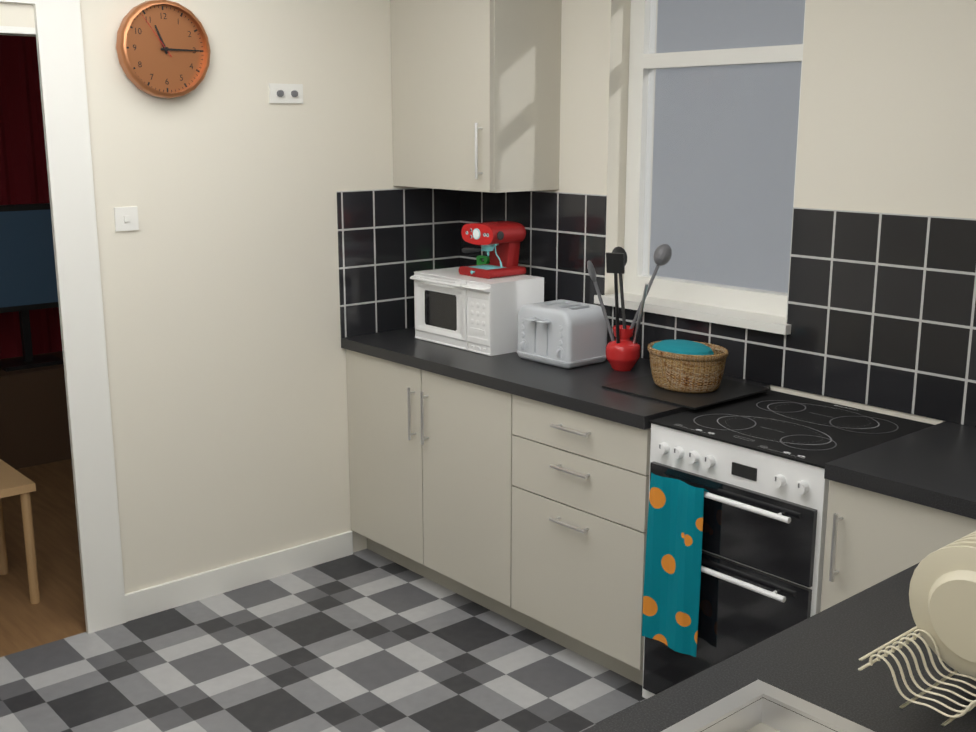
11,15,54
